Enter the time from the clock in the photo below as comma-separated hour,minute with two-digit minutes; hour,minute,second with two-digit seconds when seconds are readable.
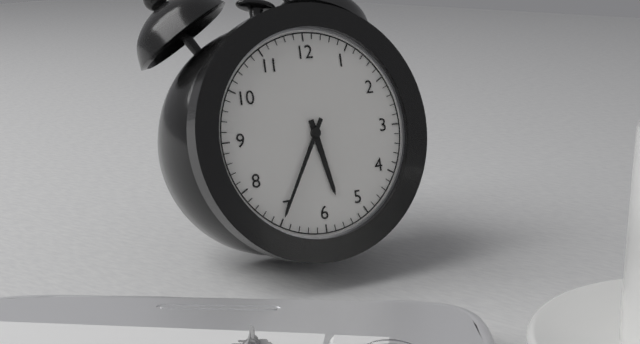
5,35
